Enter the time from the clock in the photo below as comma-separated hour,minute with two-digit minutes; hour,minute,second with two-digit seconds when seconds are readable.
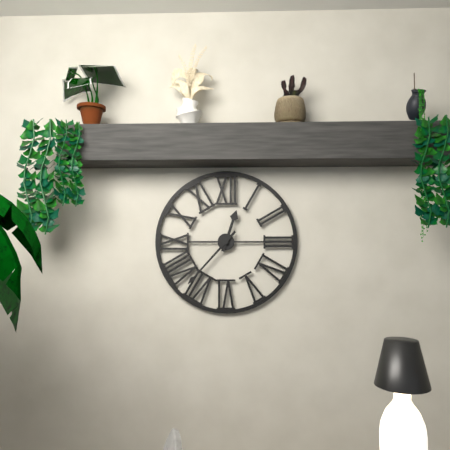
12,37
